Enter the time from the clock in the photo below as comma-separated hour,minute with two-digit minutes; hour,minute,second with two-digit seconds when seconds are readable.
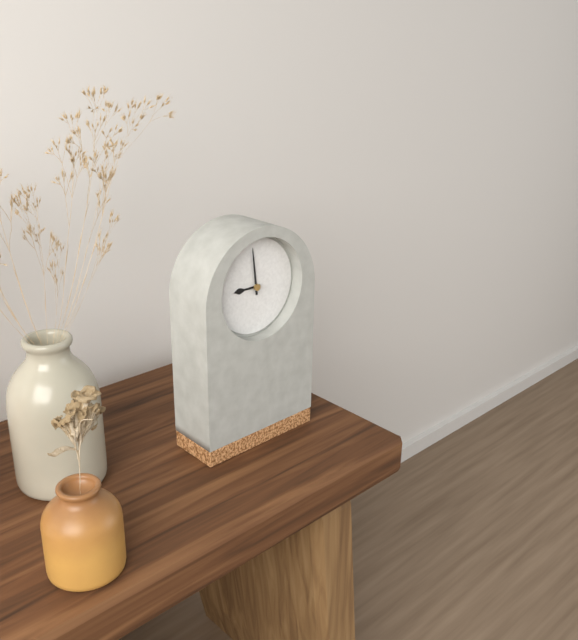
8,59
